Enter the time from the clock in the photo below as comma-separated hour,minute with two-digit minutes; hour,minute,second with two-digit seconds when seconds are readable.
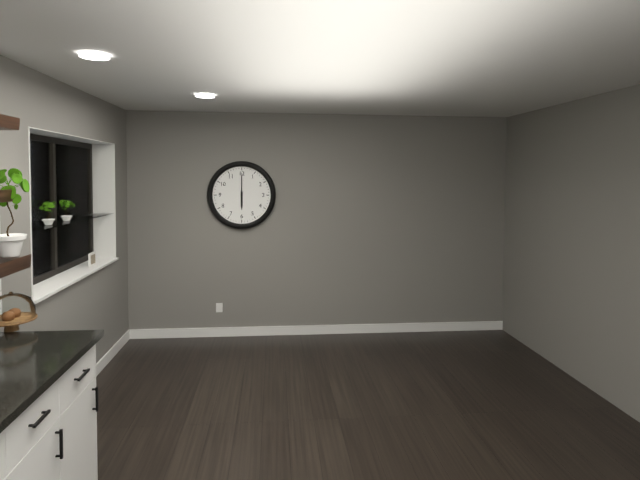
6,00
